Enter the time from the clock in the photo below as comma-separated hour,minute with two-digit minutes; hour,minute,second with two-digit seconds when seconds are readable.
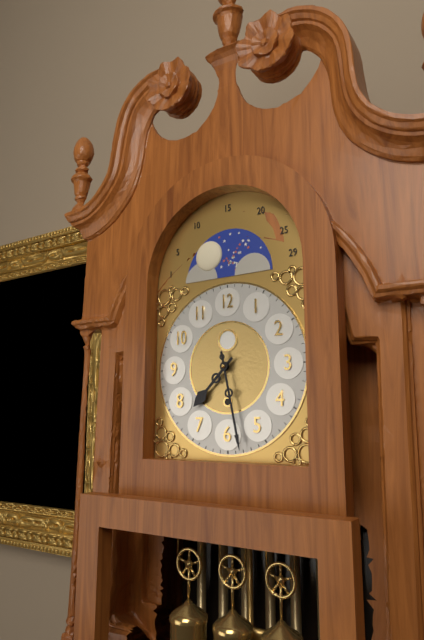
7,28
